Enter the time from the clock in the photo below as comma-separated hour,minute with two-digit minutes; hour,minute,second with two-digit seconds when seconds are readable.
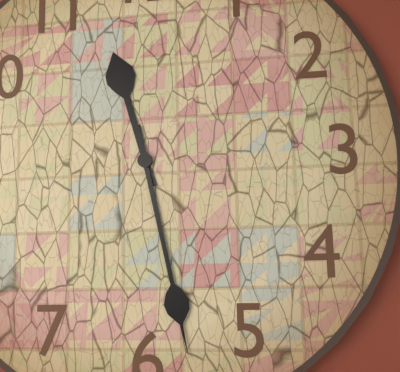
11,28
